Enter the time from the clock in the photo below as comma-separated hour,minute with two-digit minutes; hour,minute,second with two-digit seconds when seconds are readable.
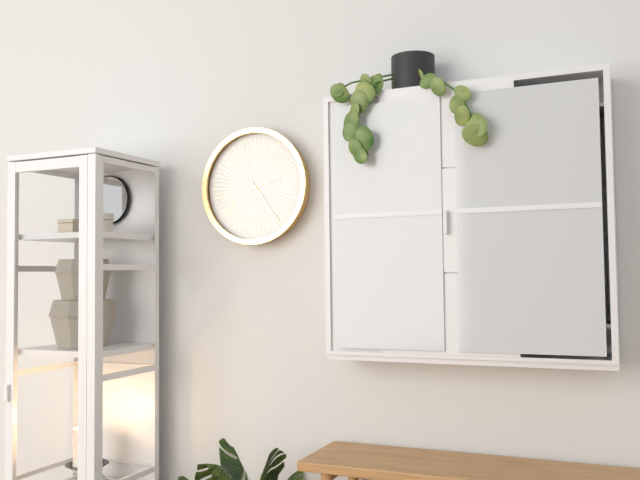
2,24
